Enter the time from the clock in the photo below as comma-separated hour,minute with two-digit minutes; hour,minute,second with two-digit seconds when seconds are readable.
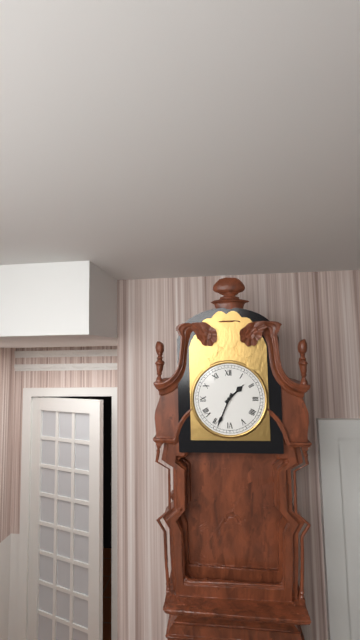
1,34
